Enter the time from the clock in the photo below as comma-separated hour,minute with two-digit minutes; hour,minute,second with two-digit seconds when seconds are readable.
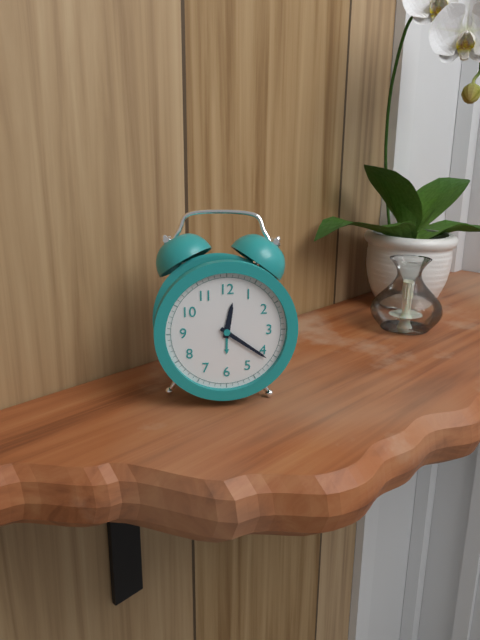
12,21
